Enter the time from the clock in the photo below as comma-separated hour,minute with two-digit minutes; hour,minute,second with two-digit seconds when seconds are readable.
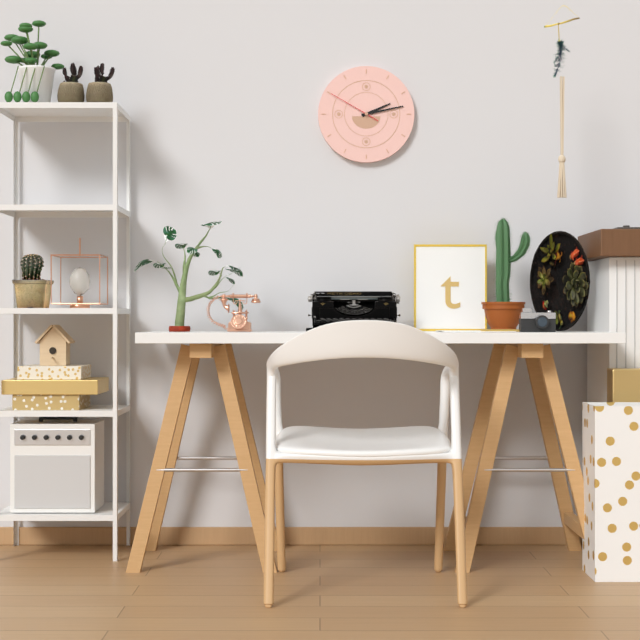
2,13,50
